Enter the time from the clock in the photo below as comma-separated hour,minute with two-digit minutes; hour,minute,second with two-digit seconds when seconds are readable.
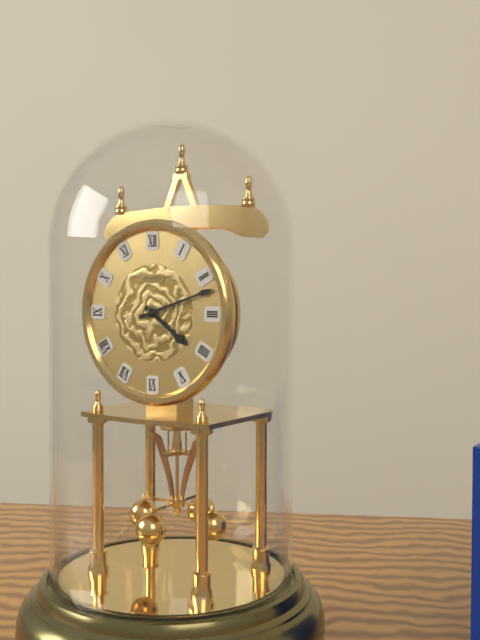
4,12
